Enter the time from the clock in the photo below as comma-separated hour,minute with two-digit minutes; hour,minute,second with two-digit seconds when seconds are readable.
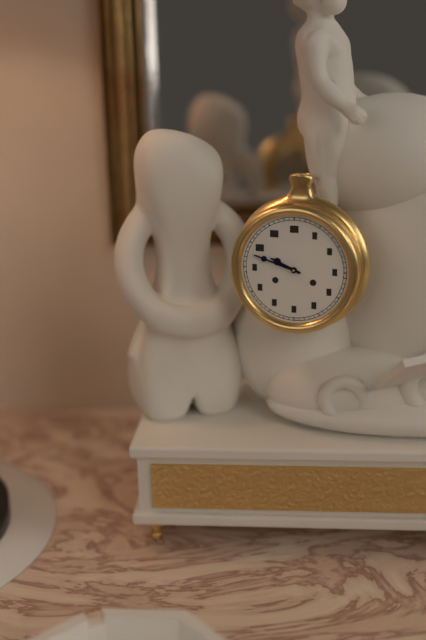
9,48
